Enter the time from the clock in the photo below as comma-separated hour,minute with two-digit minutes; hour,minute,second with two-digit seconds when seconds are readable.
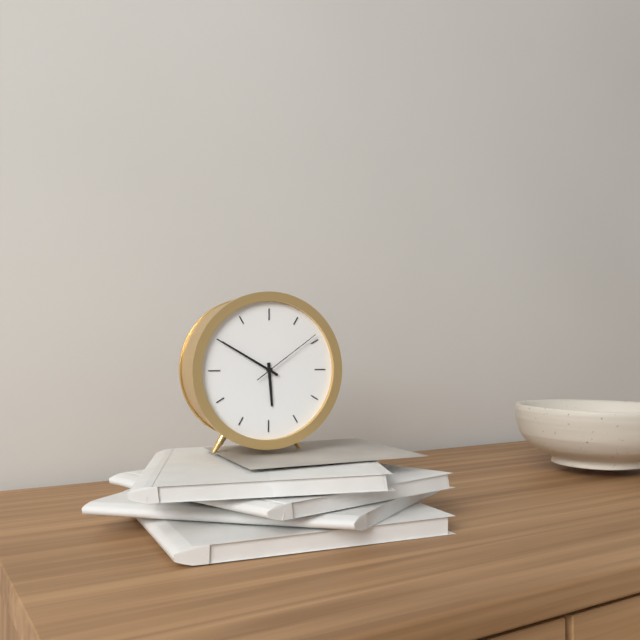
5,50,09
